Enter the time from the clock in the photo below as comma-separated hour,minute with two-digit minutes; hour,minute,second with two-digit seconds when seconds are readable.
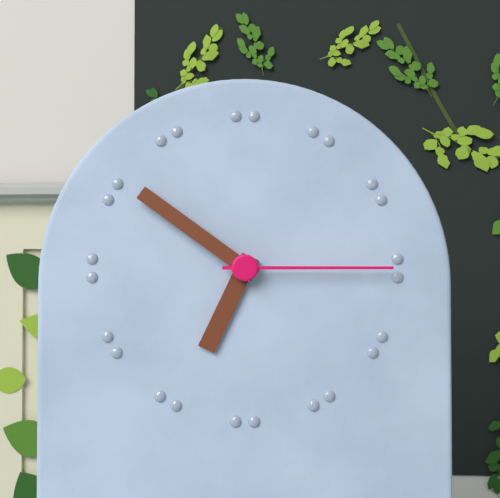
6,51,15
